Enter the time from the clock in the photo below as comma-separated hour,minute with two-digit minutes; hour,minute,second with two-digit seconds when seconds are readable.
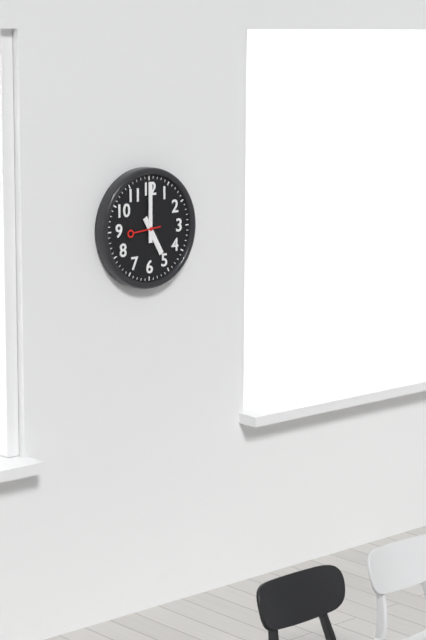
5,00
